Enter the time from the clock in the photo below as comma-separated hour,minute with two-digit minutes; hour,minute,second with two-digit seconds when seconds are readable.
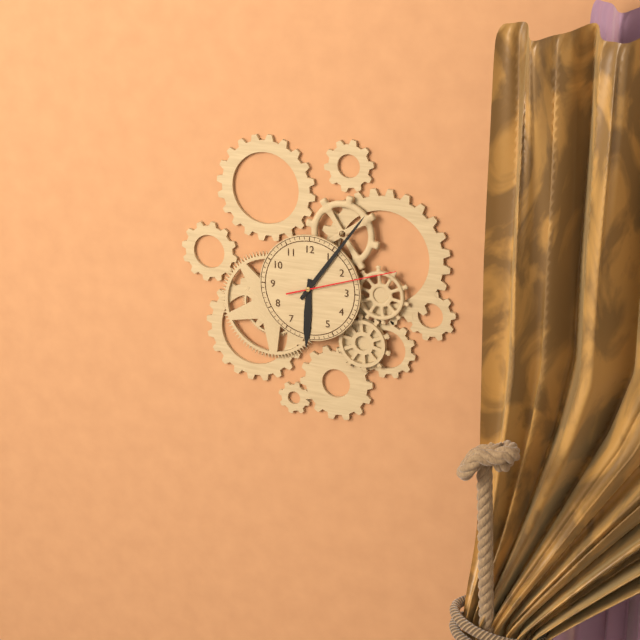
6,06,12
